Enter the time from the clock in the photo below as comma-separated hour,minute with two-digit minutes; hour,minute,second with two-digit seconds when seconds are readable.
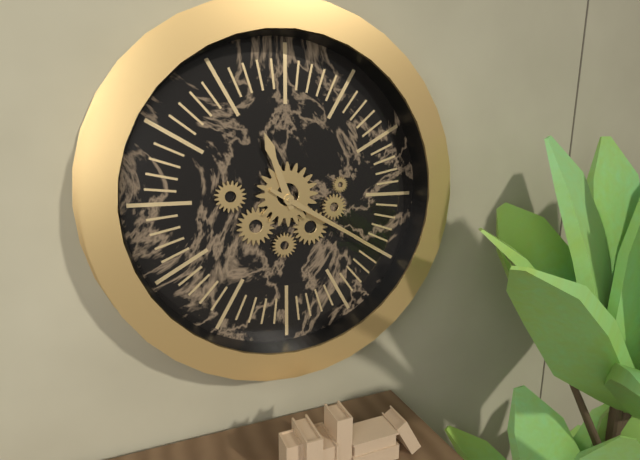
11,20
